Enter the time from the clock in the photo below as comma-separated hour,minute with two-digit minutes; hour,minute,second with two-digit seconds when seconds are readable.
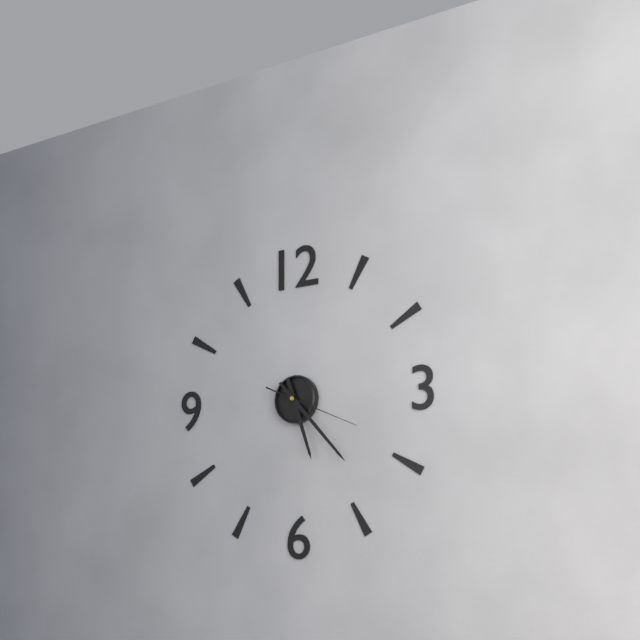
5,23,19
